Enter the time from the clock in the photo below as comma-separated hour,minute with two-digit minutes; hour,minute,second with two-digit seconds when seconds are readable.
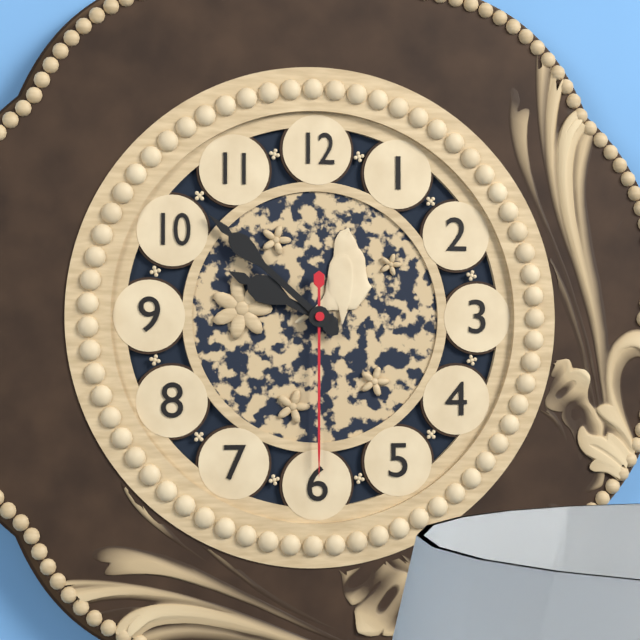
9,52,30
